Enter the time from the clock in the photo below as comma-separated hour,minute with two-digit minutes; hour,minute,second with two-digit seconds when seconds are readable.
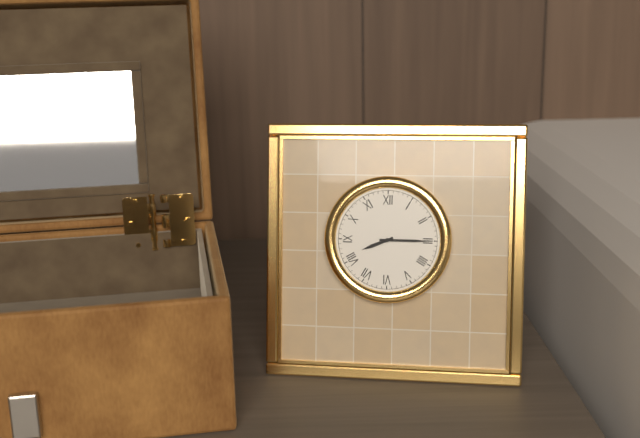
8,15
